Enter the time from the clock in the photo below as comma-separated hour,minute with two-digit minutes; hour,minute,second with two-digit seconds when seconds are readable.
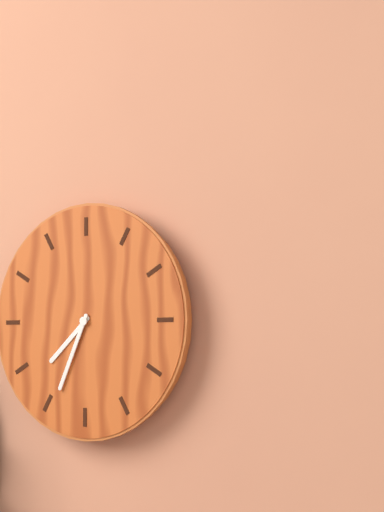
7,34
